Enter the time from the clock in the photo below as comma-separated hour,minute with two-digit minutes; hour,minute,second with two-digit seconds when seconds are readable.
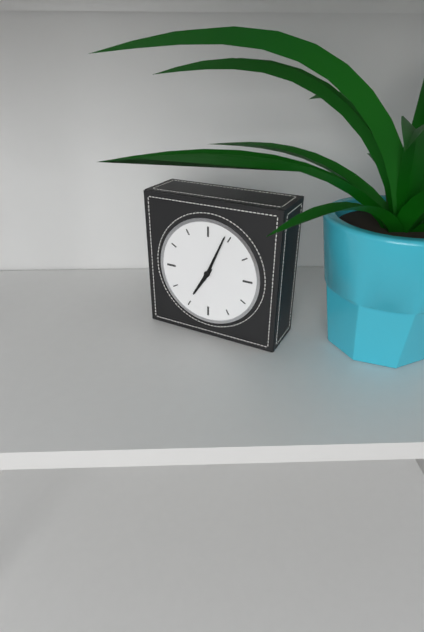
7,04
